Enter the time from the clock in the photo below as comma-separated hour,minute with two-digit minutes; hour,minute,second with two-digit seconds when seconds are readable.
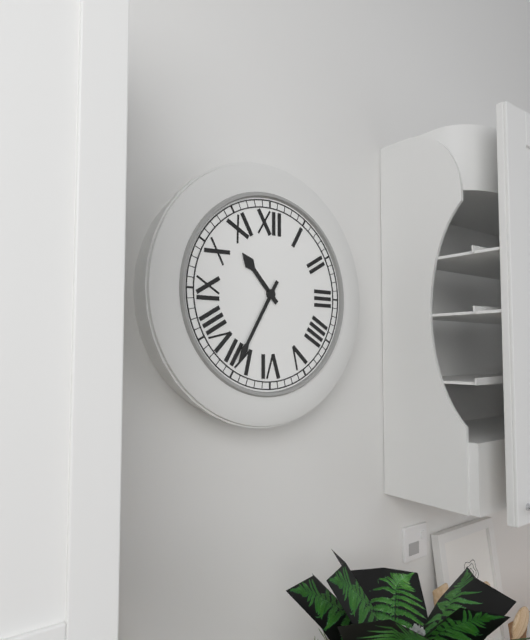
10,35
